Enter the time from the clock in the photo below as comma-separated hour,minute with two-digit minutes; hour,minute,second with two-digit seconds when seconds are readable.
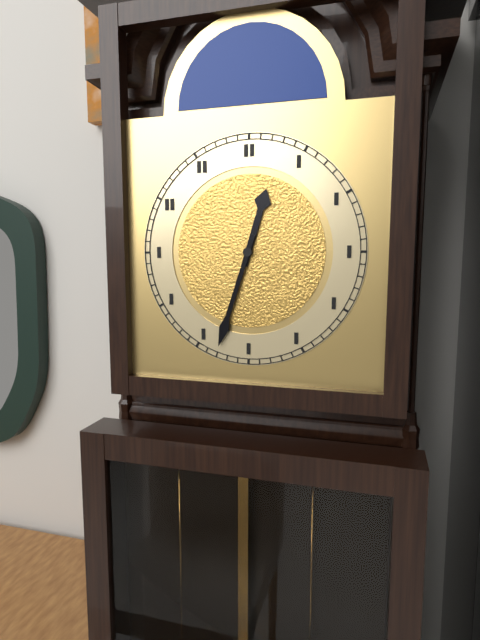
12,33
